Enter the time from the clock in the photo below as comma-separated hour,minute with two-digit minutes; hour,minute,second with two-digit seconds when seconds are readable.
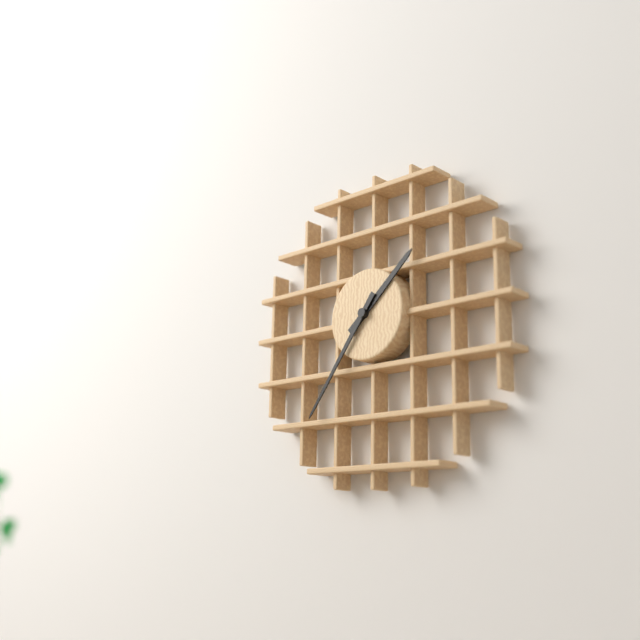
1,36
